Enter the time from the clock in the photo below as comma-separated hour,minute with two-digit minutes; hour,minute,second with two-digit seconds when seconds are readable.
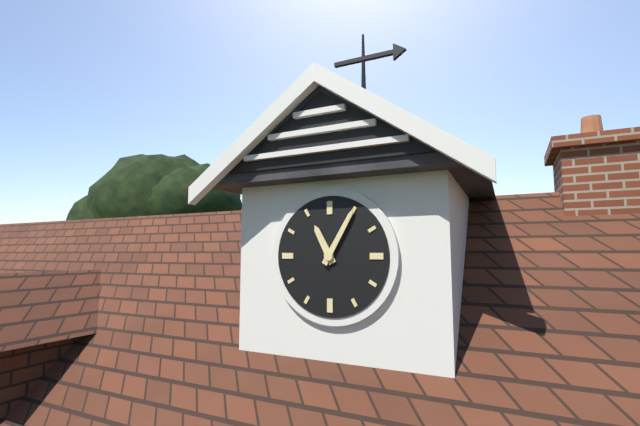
11,05
